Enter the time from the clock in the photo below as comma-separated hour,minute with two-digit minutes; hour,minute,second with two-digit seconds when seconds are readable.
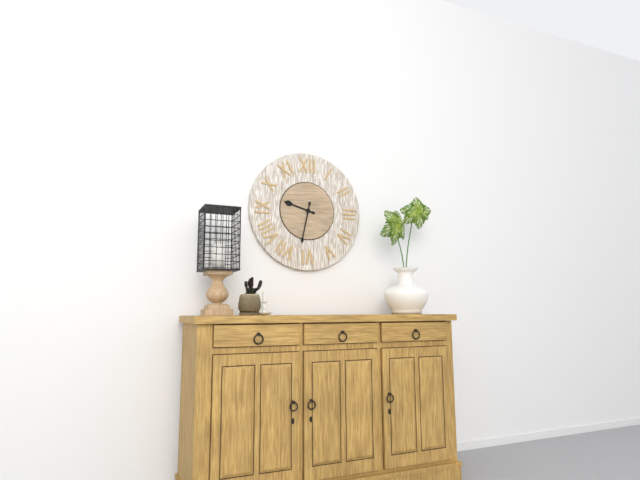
9,32
